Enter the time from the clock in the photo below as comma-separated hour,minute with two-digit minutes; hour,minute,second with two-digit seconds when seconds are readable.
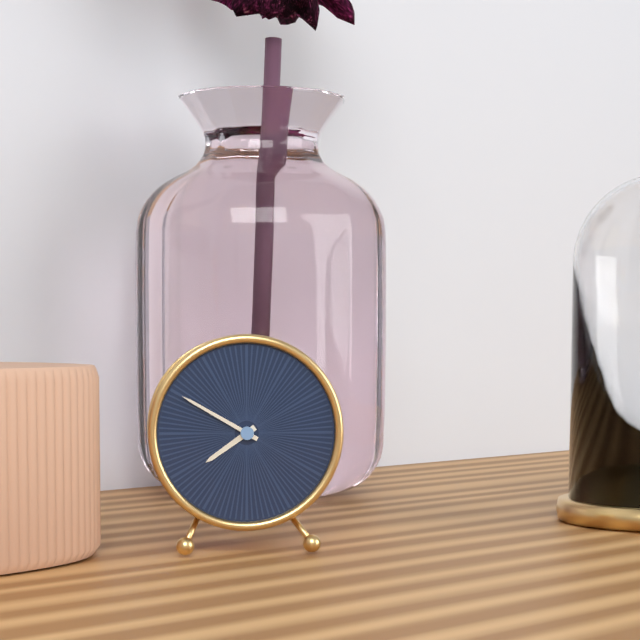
7,50
